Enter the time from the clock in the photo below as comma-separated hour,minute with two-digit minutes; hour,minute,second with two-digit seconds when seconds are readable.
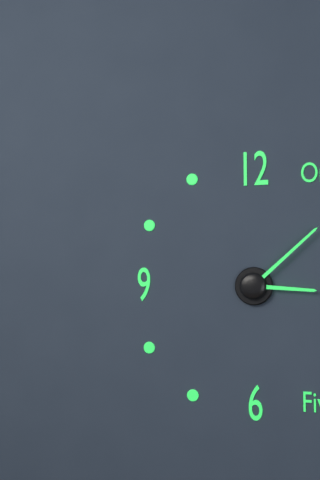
3,08
